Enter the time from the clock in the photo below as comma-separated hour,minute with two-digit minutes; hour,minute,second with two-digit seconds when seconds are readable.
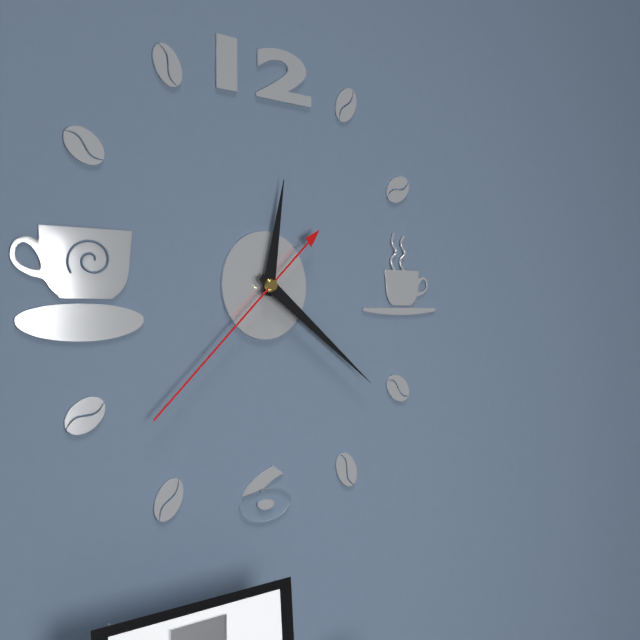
12,21,38
